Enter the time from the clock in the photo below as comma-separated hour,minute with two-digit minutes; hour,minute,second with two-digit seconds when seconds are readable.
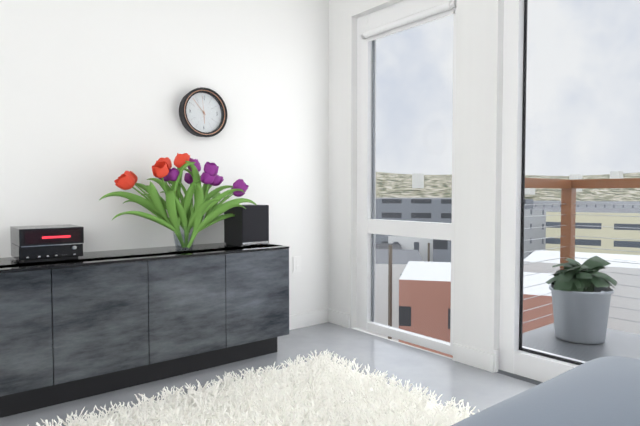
5,53
